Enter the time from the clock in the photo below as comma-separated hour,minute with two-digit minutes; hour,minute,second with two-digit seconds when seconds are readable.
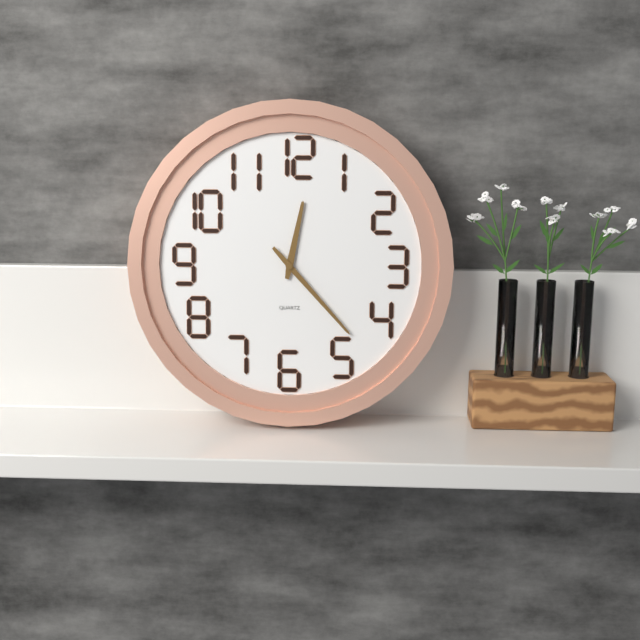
12,23
